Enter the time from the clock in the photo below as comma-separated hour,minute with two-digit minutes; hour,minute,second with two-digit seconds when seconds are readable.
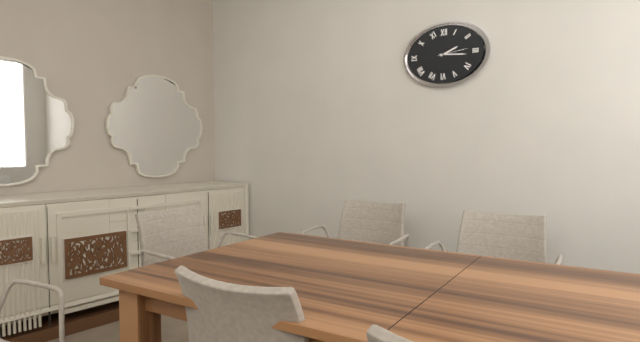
2,16
